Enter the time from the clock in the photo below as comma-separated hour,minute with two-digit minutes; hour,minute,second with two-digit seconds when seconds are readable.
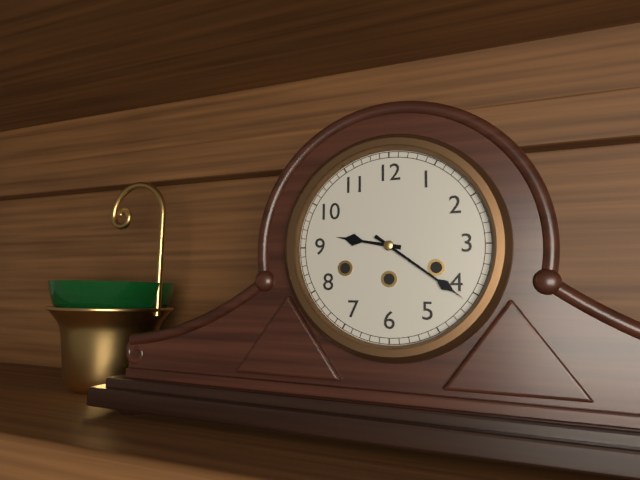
9,21
